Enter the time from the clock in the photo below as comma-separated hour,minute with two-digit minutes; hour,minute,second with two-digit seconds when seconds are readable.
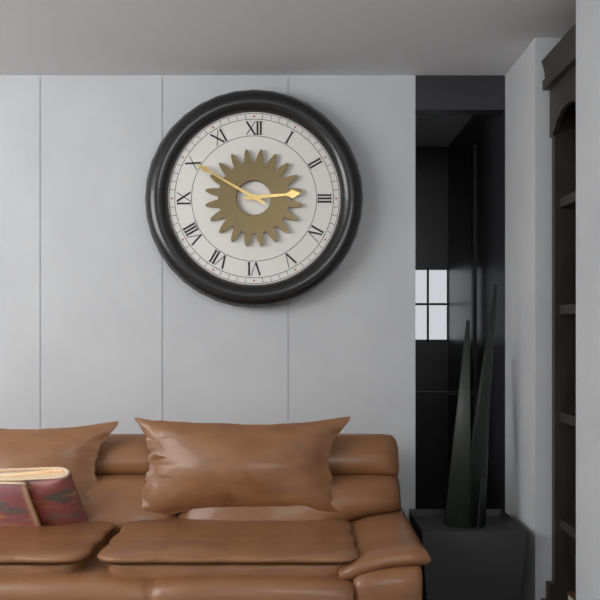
2,50
